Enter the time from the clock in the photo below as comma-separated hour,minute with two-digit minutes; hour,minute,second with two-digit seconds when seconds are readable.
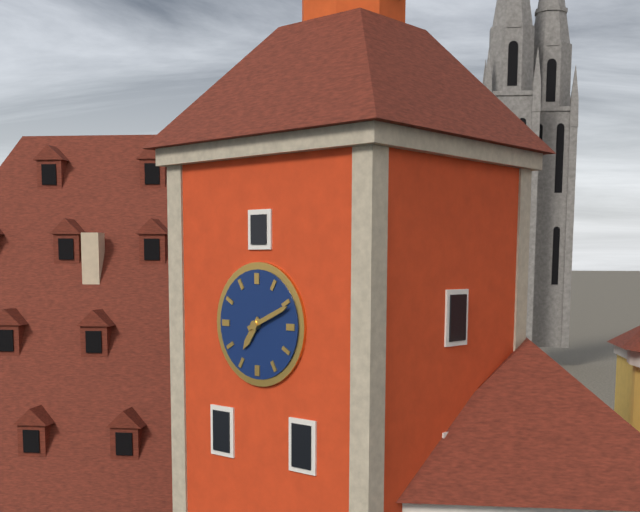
7,11
